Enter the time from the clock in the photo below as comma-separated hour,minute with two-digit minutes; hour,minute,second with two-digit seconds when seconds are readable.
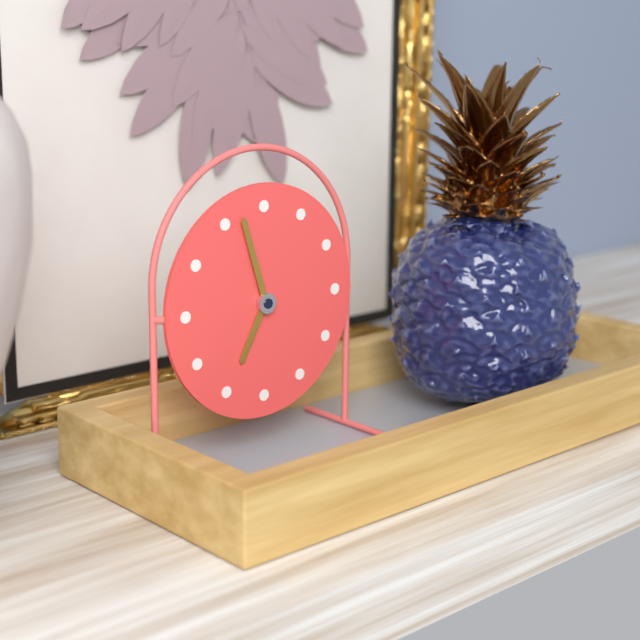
6,57
